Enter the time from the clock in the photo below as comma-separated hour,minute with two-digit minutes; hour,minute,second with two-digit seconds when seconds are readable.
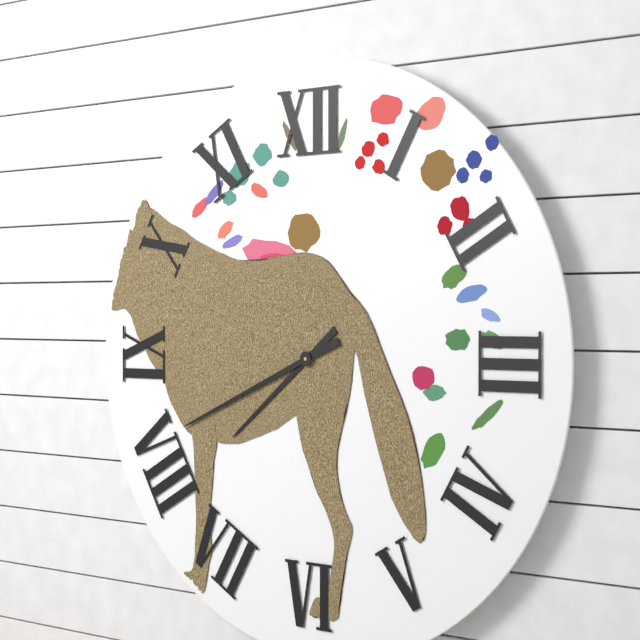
7,41
